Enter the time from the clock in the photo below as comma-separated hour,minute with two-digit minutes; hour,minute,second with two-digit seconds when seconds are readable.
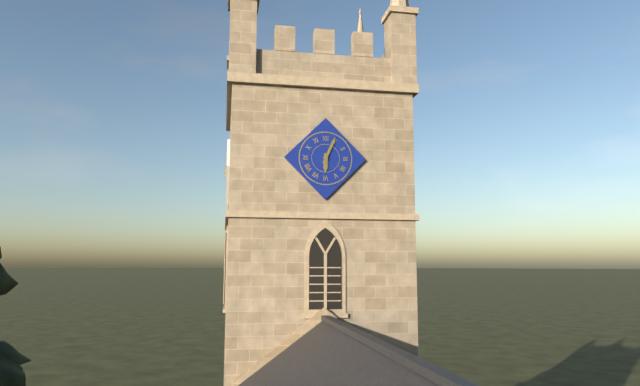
6,04
